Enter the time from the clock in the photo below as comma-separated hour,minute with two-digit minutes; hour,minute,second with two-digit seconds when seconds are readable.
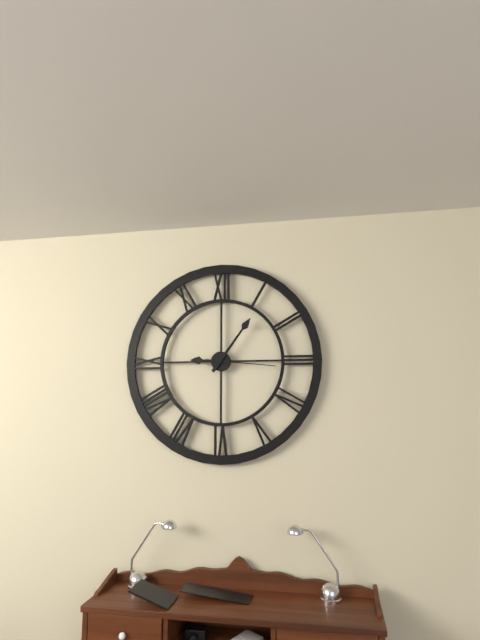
9,06,16
